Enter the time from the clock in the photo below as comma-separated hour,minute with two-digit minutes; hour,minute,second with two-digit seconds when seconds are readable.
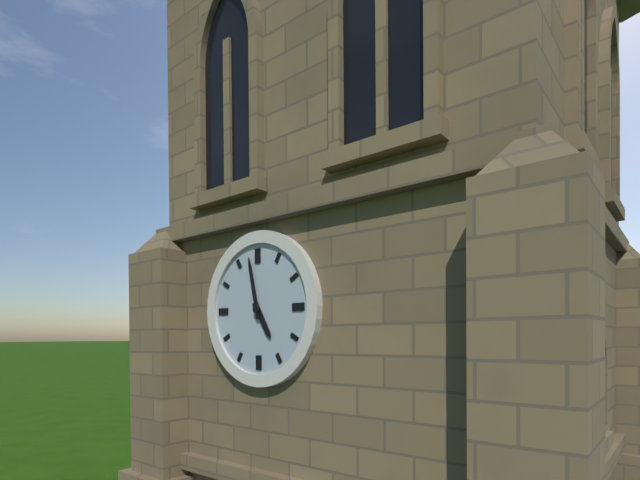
4,58
